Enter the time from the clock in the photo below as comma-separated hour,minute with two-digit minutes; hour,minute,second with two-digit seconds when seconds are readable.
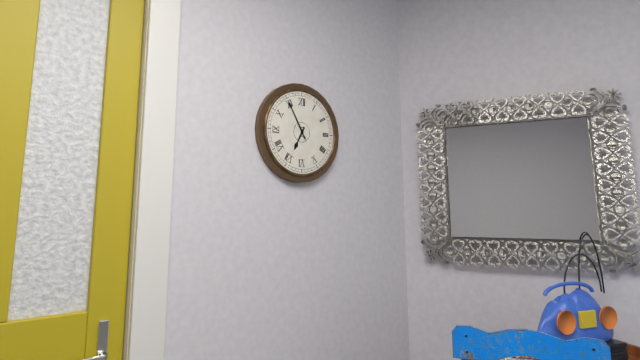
6,55
